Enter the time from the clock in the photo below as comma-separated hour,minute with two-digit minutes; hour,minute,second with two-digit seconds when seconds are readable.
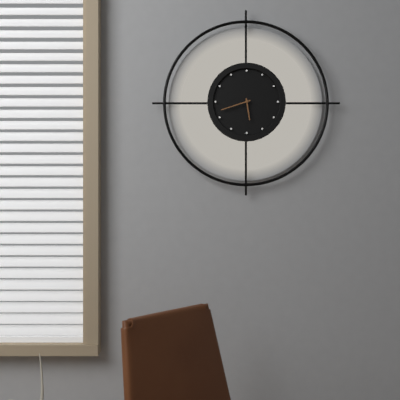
5,42
